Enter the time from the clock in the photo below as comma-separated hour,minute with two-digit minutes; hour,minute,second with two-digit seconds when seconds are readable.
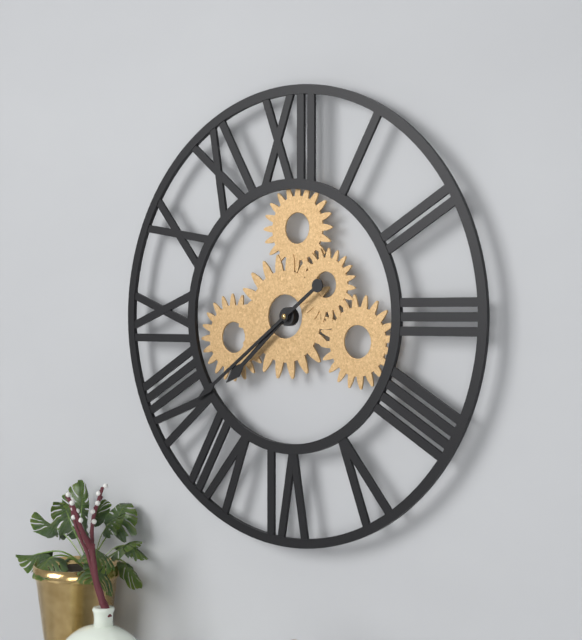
7,39
